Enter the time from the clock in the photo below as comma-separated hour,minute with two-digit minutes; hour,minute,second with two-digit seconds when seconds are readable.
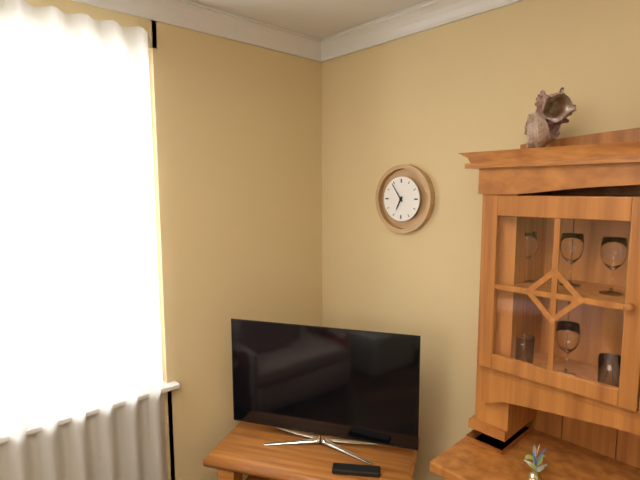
6,54
